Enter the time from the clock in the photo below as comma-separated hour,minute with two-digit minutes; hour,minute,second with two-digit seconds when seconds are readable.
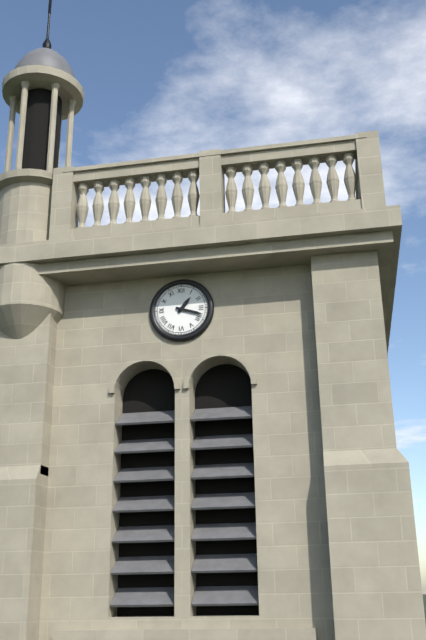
1,18
